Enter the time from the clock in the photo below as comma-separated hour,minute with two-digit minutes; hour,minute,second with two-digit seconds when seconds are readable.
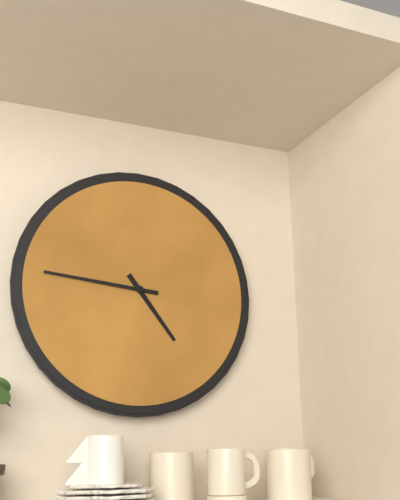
4,46
